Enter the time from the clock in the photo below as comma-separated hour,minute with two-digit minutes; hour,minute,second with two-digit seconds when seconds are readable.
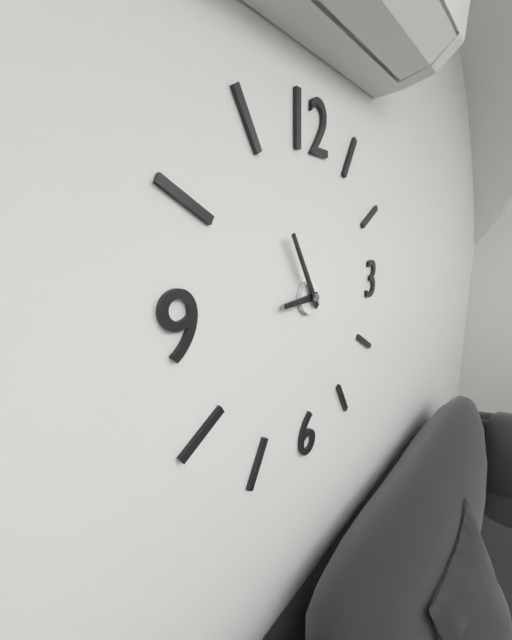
8,55
